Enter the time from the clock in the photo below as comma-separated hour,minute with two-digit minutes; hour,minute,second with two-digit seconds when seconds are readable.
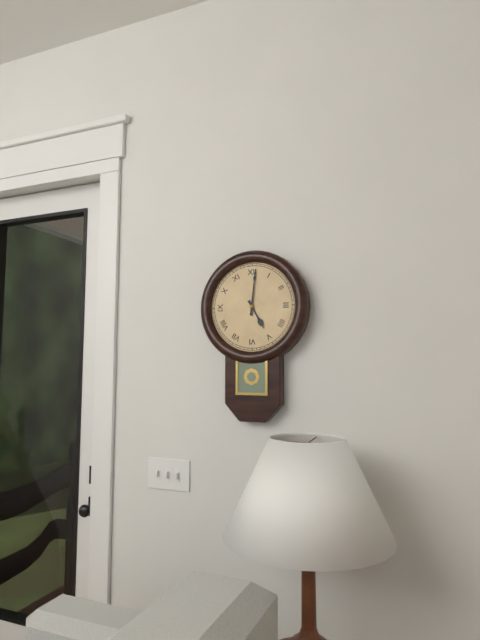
5,01
